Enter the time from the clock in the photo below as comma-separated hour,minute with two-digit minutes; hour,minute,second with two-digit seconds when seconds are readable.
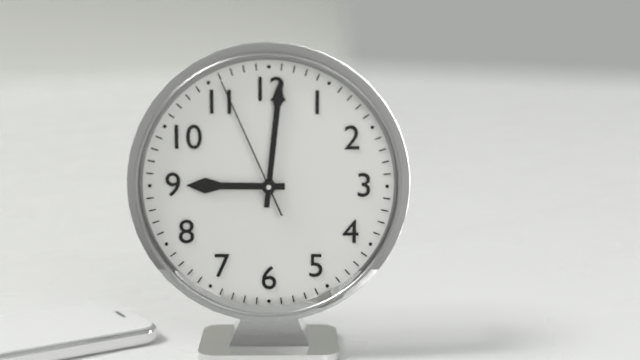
9,01,56
